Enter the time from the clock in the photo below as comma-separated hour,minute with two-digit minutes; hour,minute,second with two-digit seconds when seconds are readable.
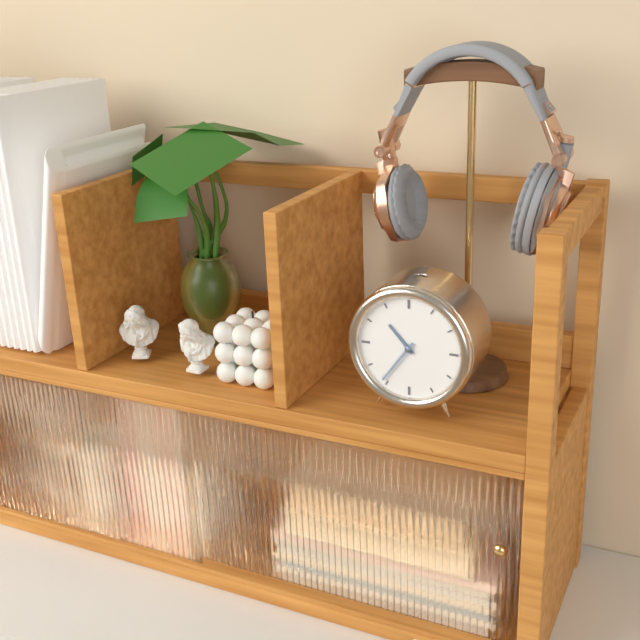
10,36
